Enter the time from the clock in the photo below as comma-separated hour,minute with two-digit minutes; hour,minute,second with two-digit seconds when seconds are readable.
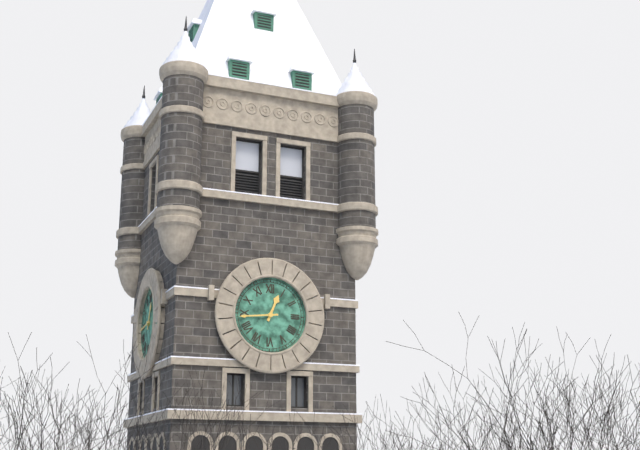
12,44
